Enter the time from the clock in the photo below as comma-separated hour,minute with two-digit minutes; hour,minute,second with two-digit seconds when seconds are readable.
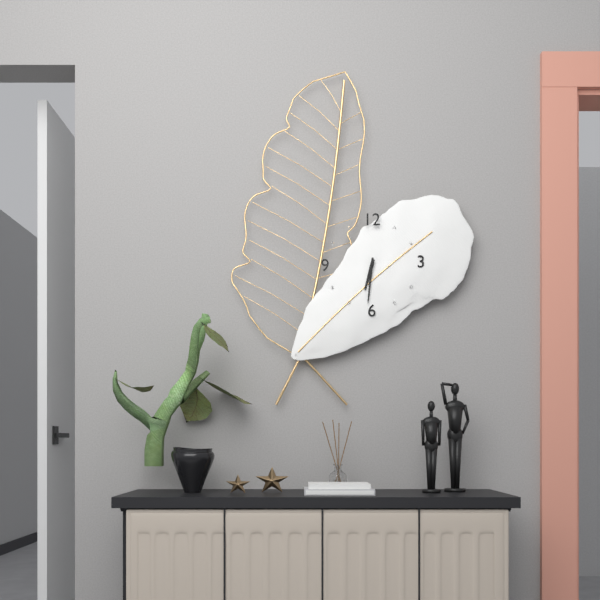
6,31
